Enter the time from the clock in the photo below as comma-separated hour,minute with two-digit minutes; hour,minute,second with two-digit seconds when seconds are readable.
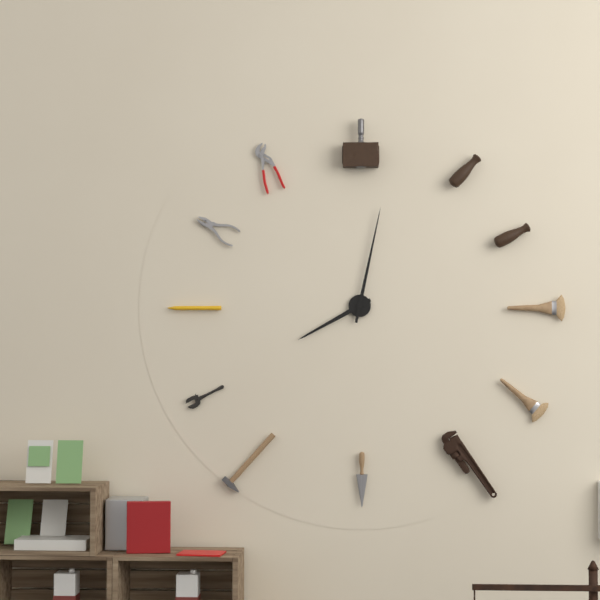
8,02
